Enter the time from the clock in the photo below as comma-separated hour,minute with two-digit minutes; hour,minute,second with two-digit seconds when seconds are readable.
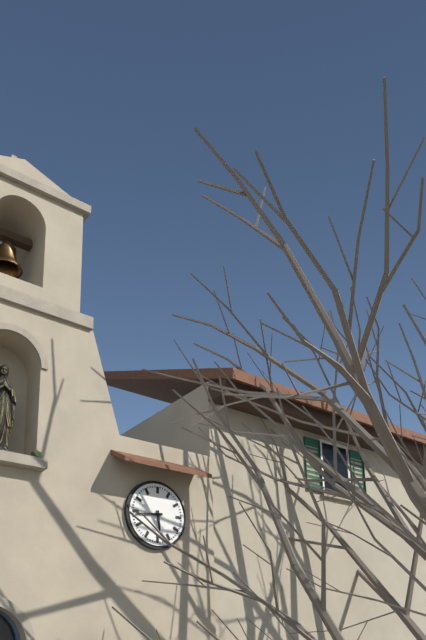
5,44
